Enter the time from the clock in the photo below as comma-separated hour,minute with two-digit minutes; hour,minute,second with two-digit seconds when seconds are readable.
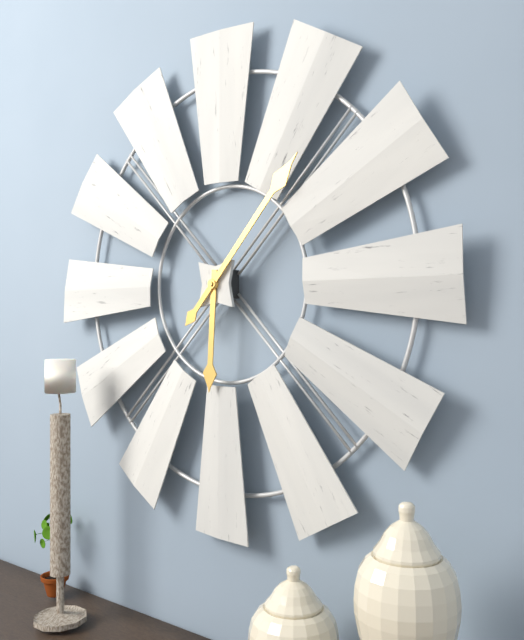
6,07
